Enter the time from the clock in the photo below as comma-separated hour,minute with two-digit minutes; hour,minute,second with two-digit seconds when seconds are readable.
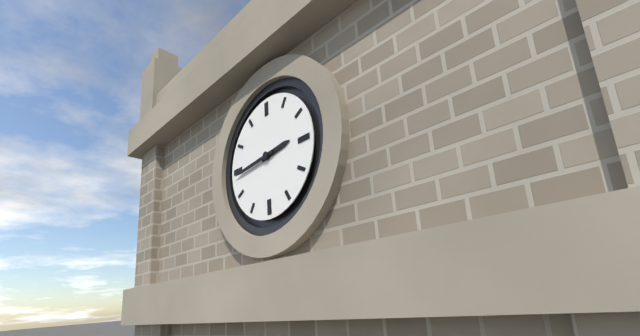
2,44
